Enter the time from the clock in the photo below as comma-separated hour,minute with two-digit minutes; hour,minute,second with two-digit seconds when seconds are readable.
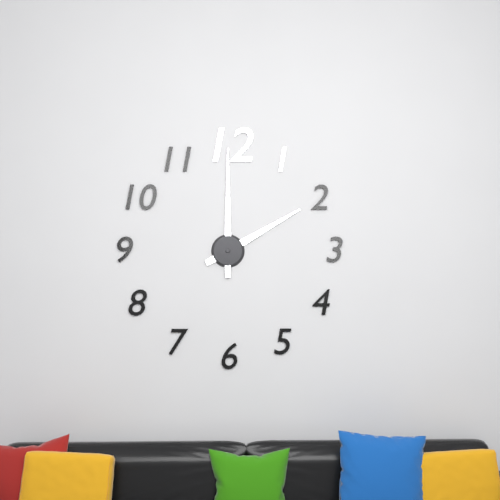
2,00
